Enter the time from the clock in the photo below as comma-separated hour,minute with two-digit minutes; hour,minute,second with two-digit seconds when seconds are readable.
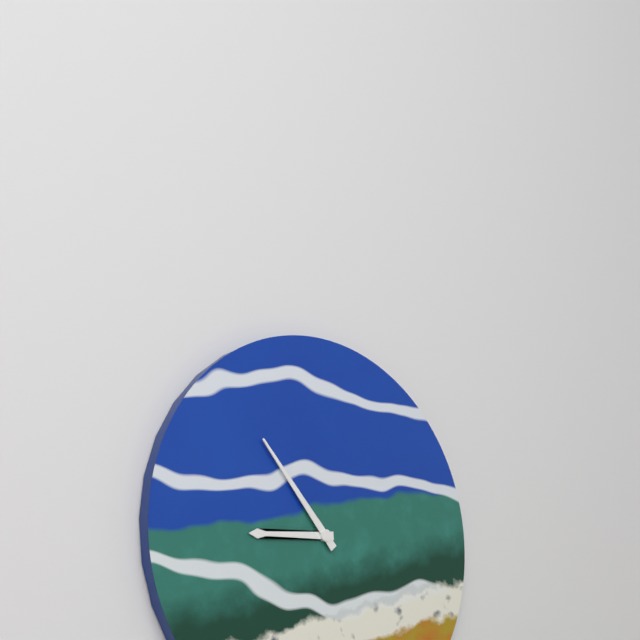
8,53
